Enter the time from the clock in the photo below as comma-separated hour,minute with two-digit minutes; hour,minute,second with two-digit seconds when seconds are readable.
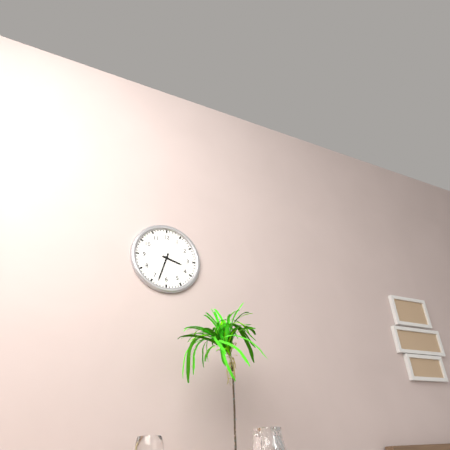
3,33
